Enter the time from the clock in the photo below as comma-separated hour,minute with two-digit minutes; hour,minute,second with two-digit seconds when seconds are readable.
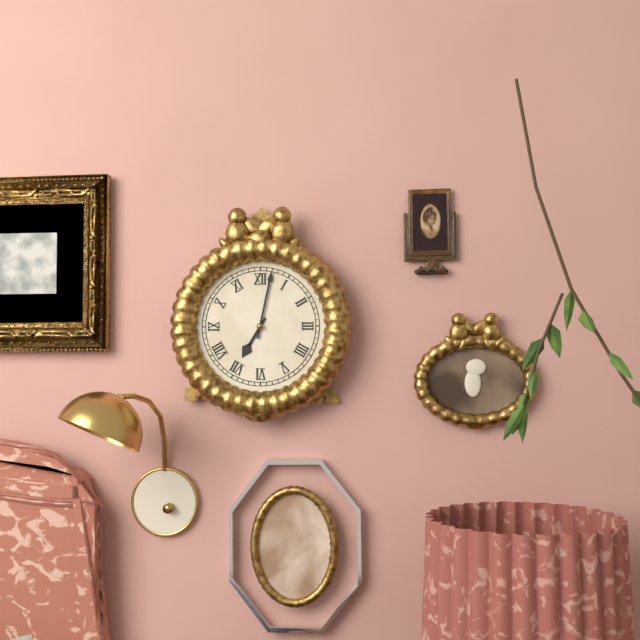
7,02
